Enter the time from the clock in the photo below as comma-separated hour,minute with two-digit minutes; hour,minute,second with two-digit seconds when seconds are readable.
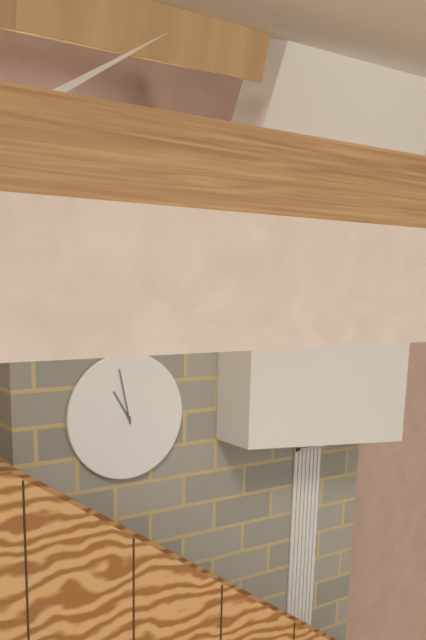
10,58
